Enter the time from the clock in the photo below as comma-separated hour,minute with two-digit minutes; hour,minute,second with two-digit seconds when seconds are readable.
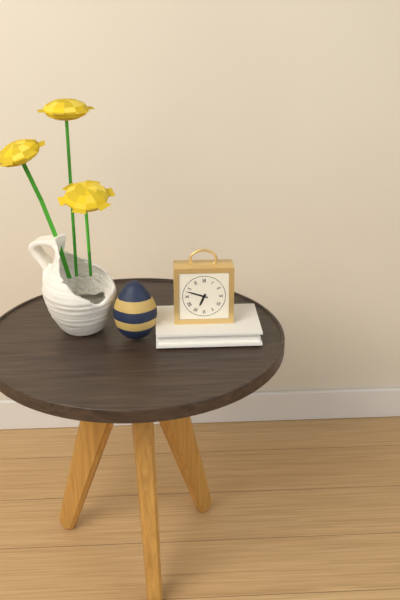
6,48
